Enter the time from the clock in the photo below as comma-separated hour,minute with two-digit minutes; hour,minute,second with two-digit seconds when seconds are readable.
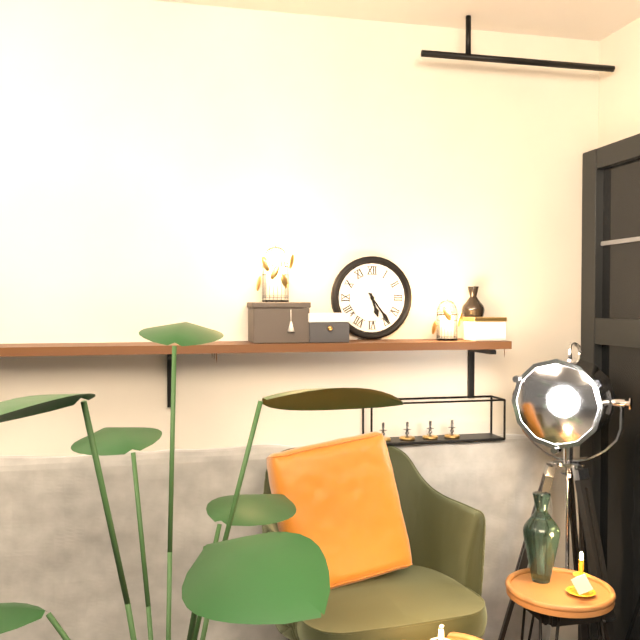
5,24
